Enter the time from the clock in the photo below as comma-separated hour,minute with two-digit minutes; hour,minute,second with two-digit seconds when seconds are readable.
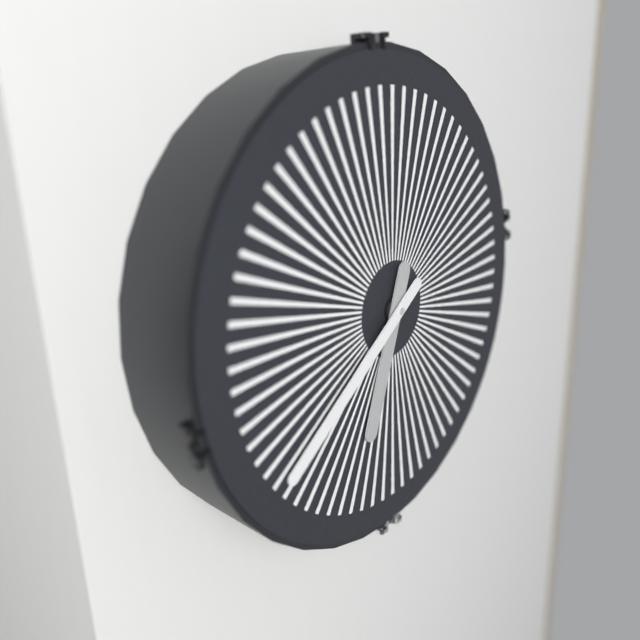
6,39
